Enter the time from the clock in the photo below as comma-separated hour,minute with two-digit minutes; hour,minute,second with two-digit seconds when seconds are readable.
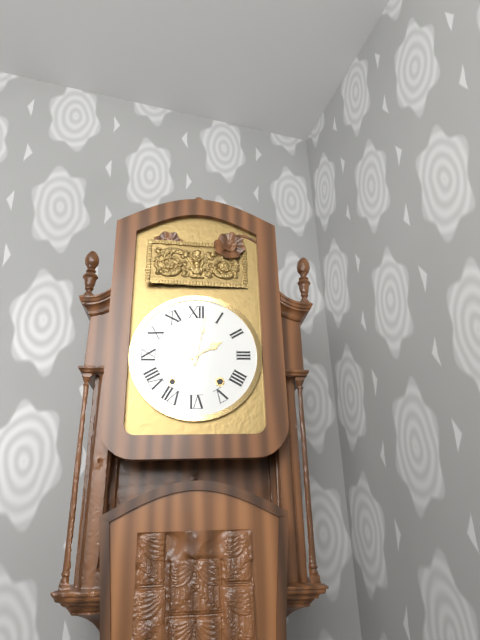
2,02
